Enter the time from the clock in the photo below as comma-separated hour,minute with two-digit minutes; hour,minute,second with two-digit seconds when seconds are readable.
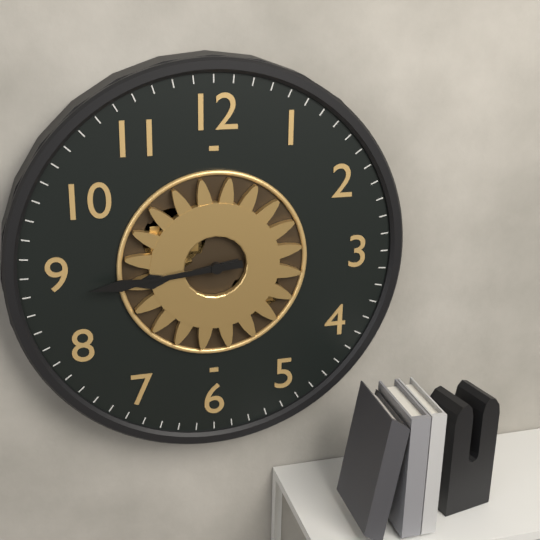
8,44
